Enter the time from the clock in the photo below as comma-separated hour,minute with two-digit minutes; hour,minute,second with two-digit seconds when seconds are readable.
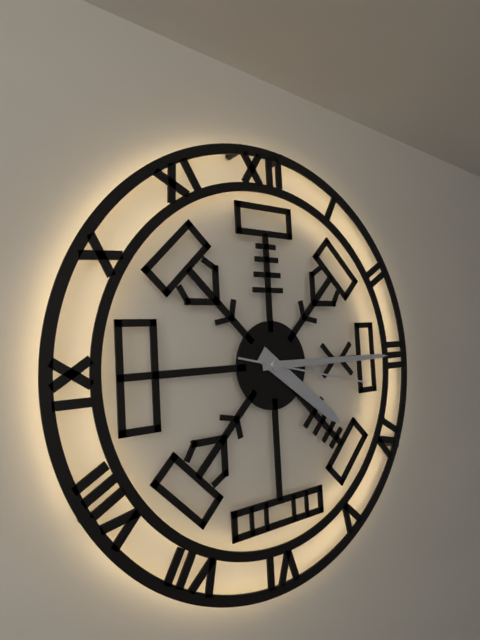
4,15,17
